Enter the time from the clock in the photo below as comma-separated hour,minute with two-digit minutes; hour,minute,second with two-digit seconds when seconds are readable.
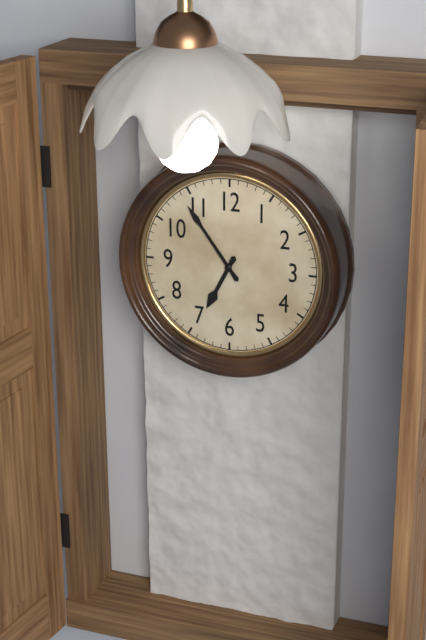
6,54
